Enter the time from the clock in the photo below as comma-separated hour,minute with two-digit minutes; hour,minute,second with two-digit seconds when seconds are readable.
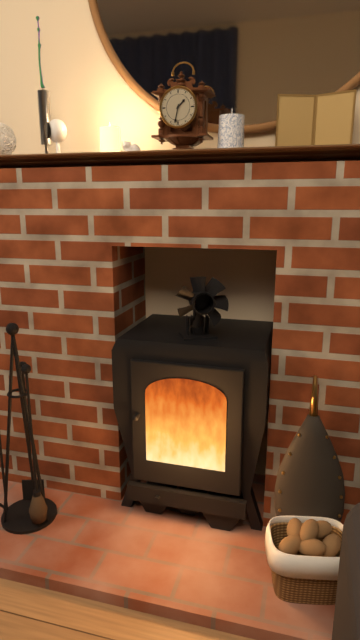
1,32
